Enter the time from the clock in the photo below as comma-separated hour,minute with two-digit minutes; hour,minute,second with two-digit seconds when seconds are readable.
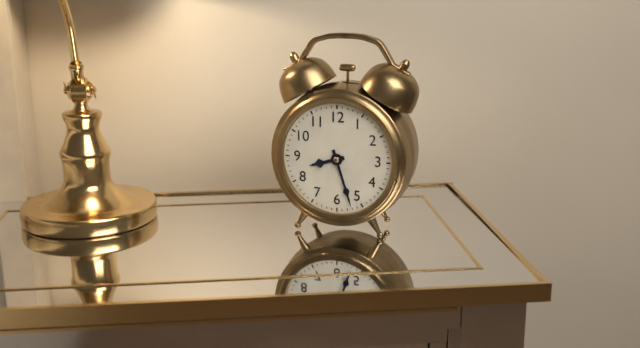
8,27
